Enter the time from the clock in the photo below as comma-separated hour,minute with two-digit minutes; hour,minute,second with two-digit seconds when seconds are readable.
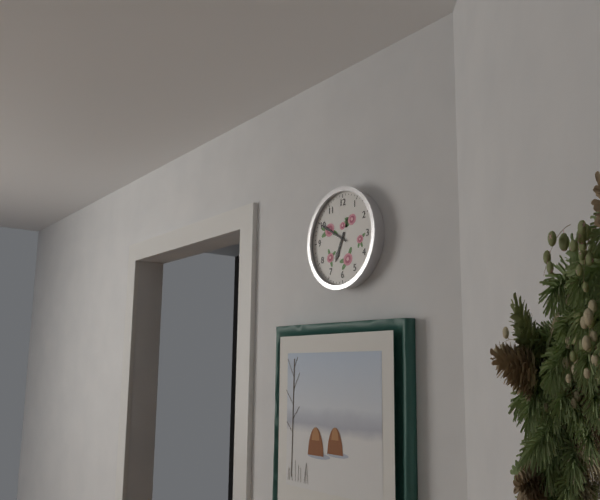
6,50
